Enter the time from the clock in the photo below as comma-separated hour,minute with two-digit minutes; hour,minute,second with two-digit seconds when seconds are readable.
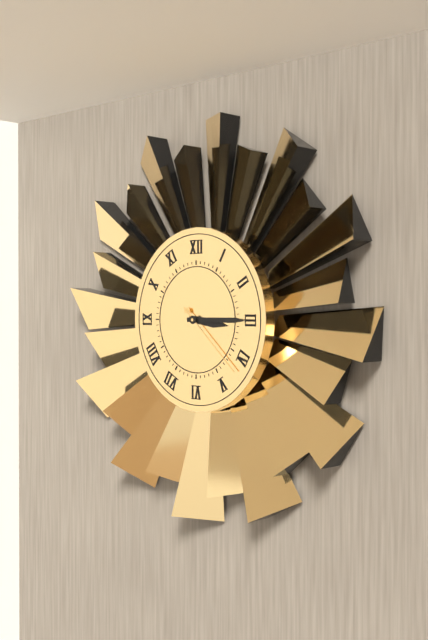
3,15,22
